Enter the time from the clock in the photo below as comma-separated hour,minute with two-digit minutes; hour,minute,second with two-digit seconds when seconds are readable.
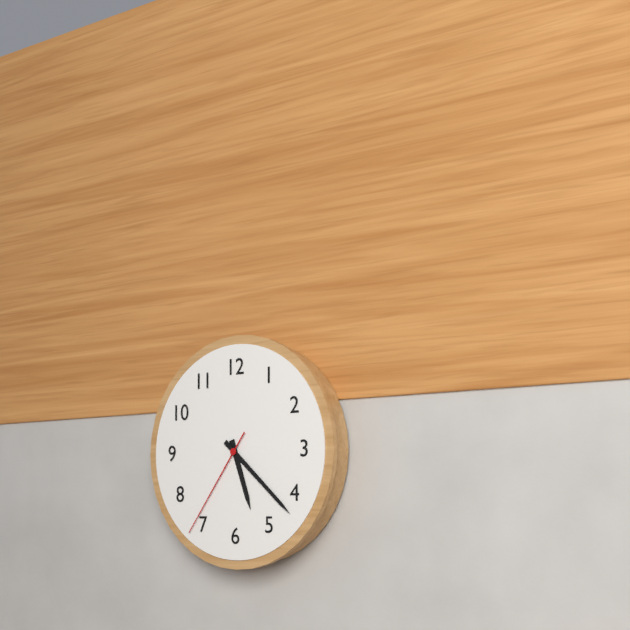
5,22,36
